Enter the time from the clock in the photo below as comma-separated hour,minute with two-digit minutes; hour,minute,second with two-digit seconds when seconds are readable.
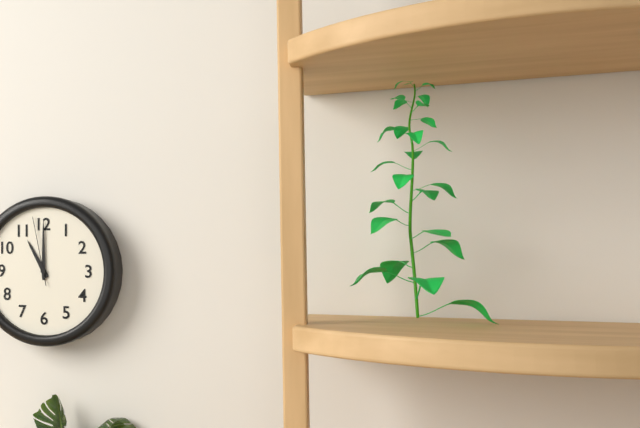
11,00,58
